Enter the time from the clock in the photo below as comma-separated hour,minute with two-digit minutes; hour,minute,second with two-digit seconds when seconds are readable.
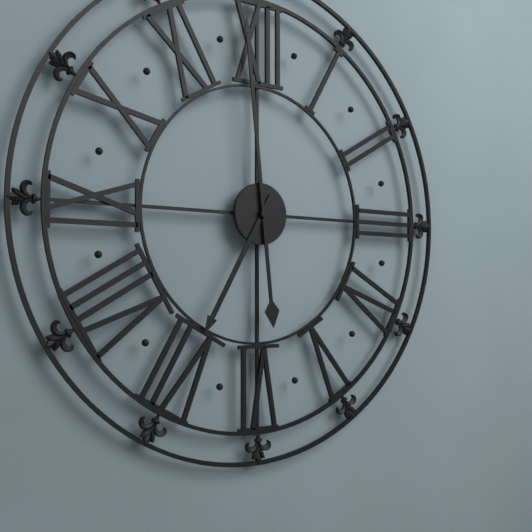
6,59
